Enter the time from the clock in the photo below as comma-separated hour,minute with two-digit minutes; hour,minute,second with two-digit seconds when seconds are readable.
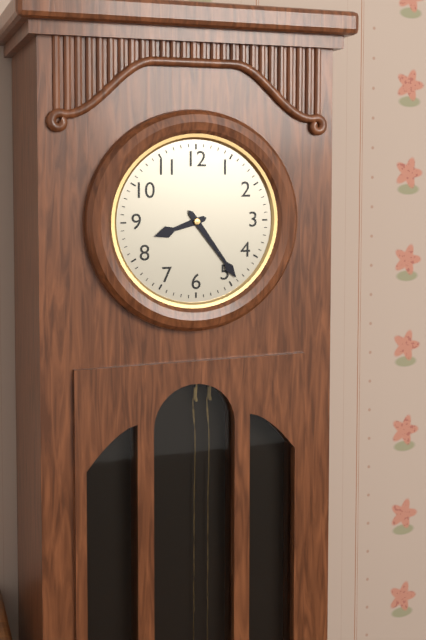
8,24
